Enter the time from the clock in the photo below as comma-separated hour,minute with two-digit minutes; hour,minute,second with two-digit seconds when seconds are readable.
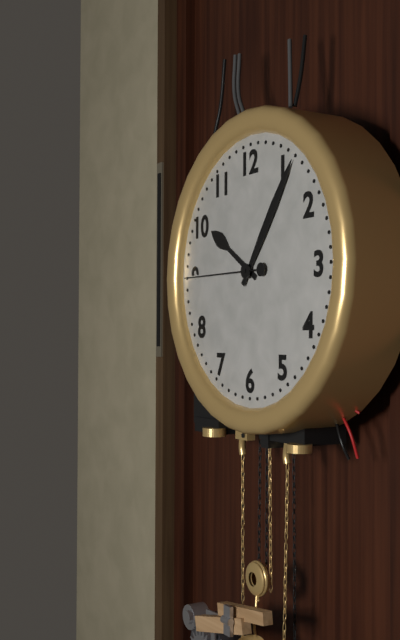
10,06,45
